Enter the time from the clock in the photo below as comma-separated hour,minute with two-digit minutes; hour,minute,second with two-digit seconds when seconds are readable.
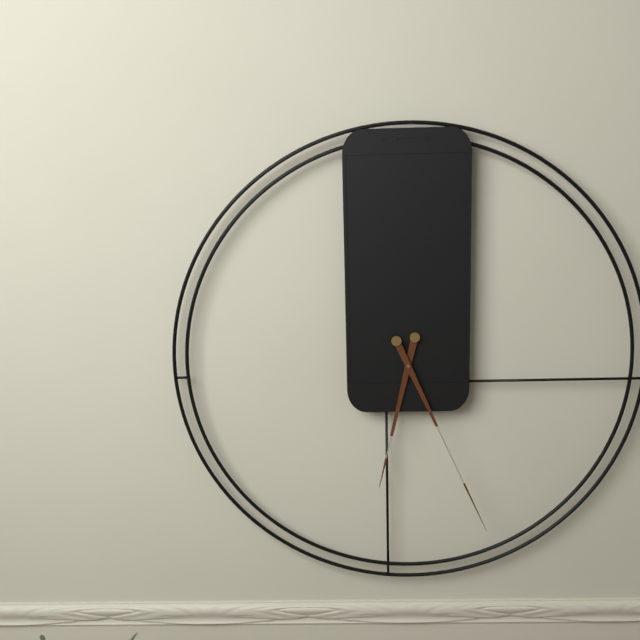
6,26
